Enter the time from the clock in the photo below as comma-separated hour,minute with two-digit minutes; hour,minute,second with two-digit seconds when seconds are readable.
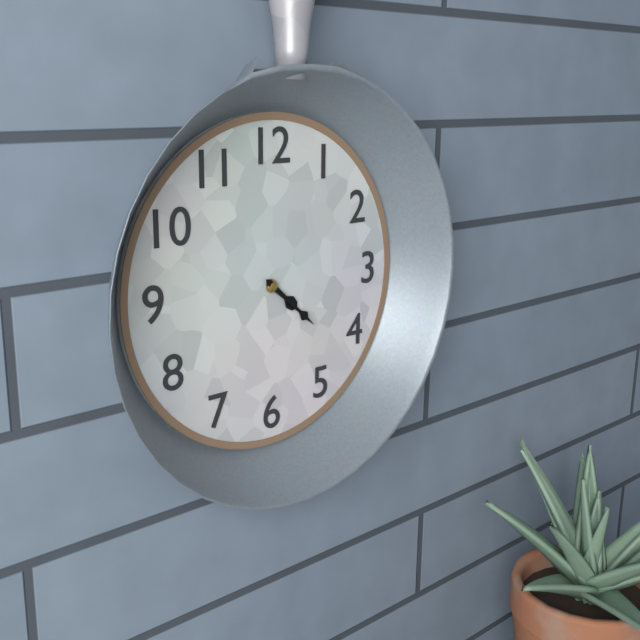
4,22
